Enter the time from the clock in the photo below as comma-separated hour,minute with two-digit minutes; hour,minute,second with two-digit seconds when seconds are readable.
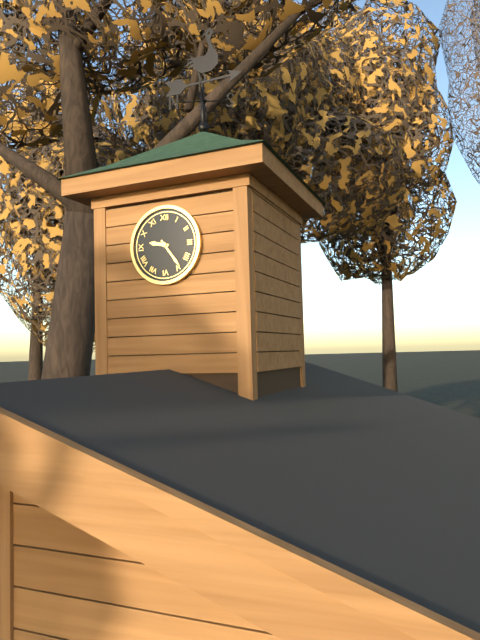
9,24
